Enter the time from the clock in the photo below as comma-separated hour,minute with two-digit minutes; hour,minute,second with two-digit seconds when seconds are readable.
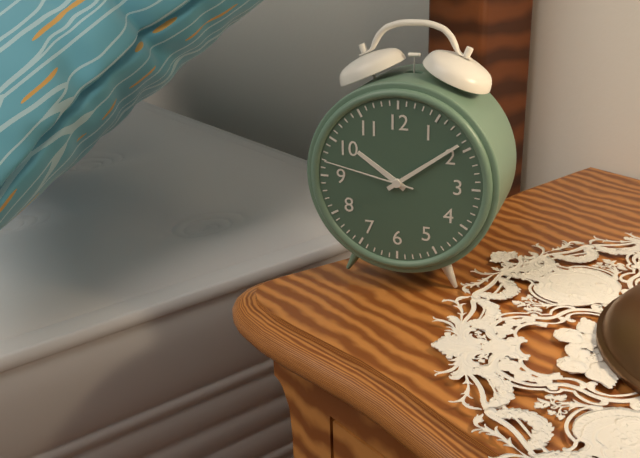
10,09,47
